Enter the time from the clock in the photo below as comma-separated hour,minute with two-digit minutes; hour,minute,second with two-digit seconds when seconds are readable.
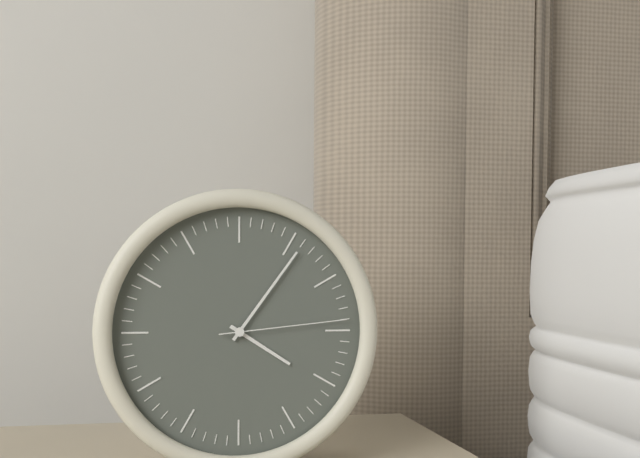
4,06,14
